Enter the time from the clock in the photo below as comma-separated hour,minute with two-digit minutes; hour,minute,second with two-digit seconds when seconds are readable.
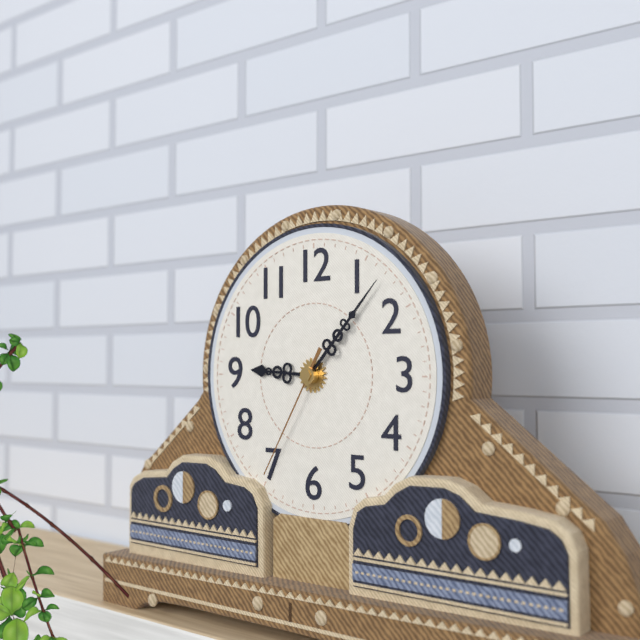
9,07,35
